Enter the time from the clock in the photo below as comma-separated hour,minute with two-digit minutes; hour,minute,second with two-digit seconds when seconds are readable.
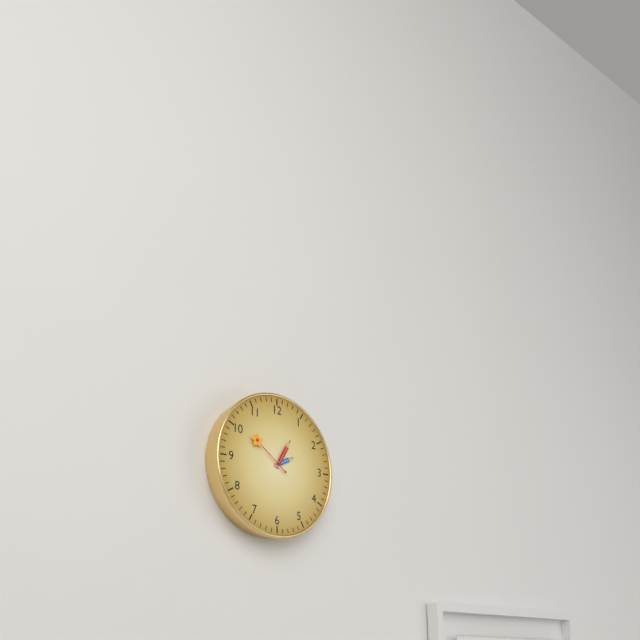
2,05
